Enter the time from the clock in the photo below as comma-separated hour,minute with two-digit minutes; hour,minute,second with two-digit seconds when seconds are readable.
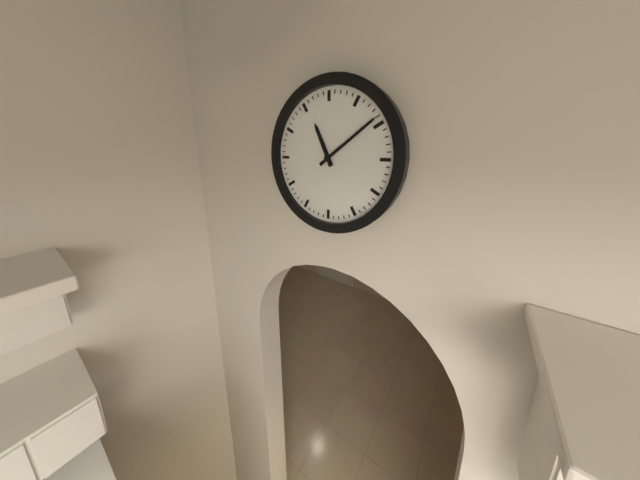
11,09
